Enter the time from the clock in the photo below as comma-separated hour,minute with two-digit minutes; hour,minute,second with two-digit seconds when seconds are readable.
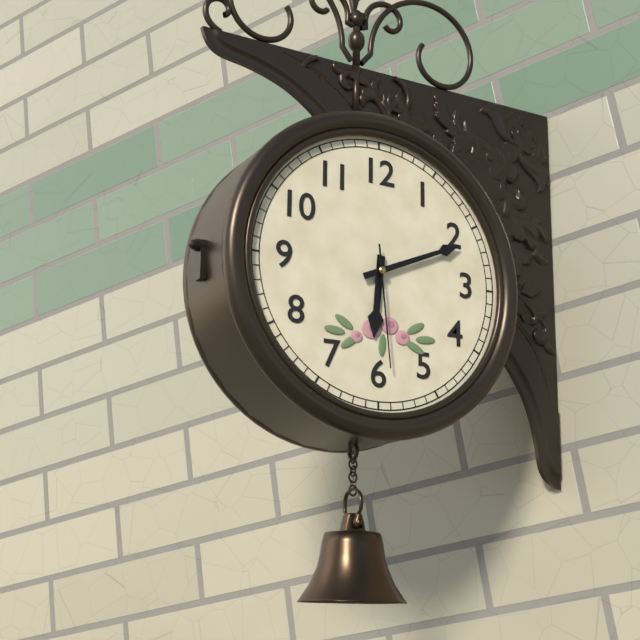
6,11,29
